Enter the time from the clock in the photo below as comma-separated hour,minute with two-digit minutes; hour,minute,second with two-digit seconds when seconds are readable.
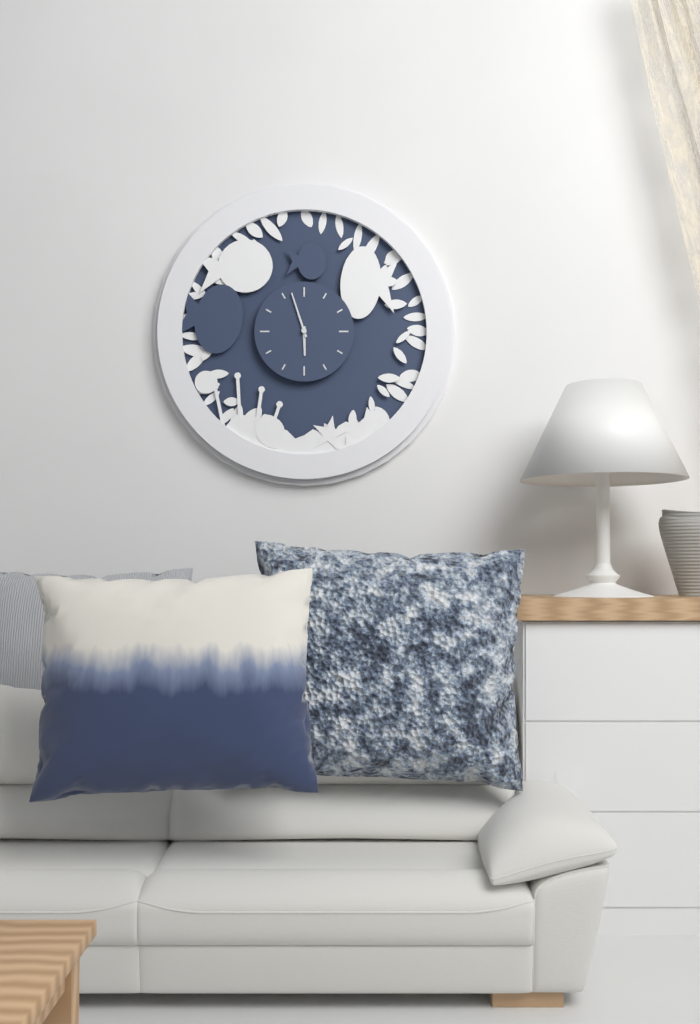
5,57
